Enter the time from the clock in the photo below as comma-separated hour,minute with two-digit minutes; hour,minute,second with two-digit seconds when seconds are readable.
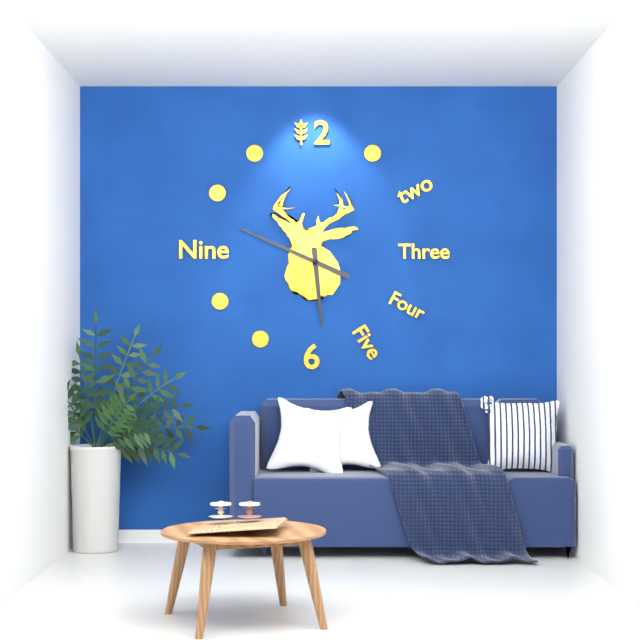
5,49
